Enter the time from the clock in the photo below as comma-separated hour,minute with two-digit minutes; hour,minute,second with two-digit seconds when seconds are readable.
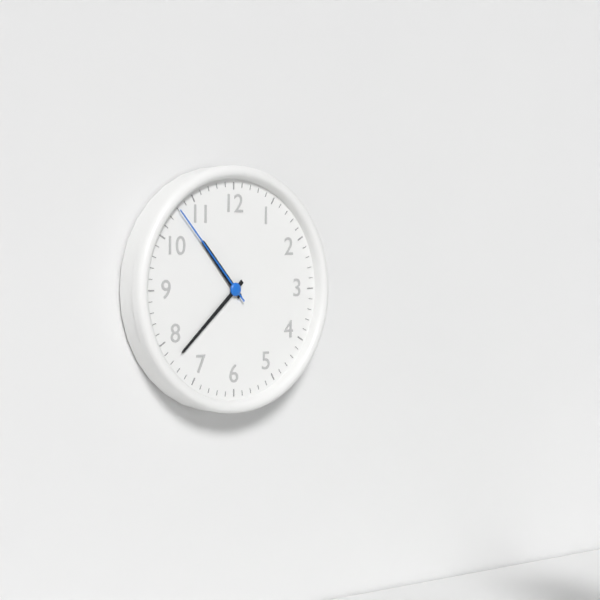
10,38,53
